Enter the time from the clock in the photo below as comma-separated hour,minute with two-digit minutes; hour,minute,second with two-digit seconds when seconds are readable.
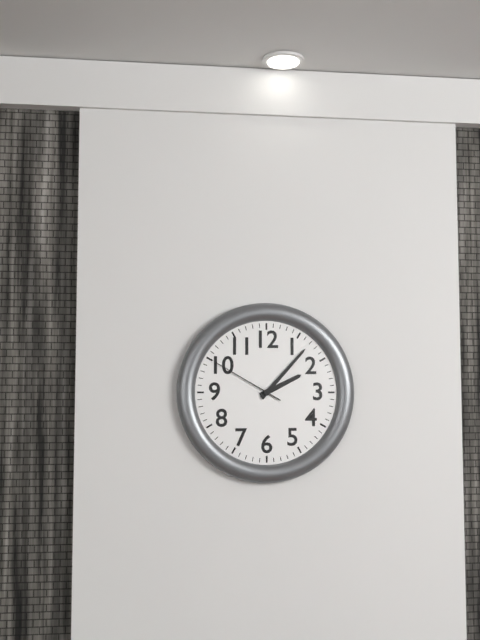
2,07,50
